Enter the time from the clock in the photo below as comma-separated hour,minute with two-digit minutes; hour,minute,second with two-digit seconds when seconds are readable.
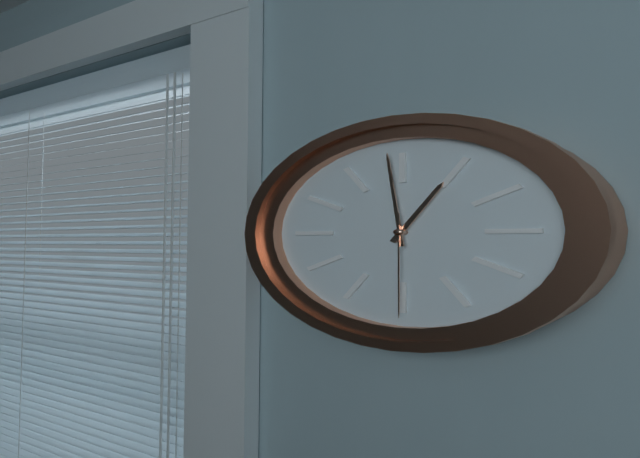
12,59,30
